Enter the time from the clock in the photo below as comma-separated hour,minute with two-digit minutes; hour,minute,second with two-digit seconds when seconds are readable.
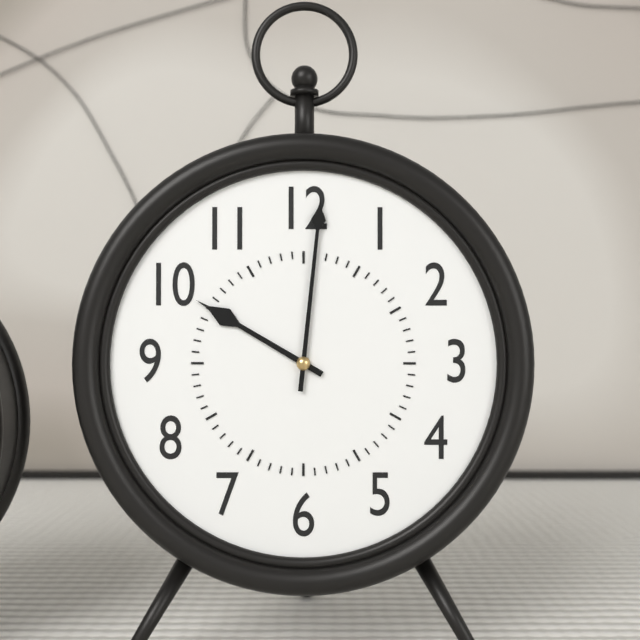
10,01
